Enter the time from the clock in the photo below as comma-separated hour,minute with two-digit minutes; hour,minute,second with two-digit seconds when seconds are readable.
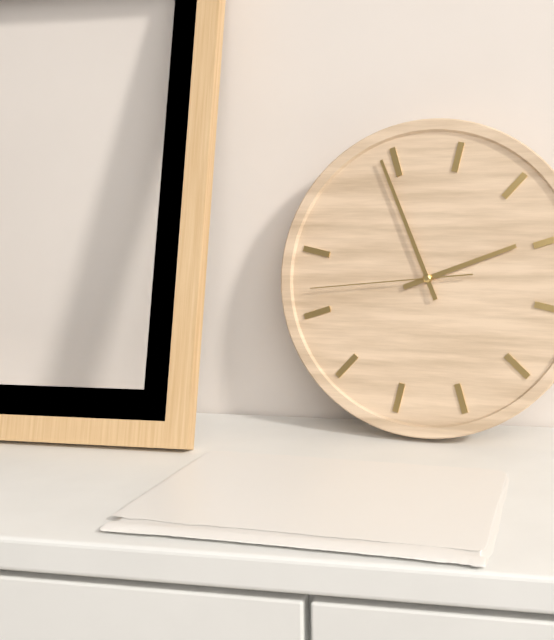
1,54,42
